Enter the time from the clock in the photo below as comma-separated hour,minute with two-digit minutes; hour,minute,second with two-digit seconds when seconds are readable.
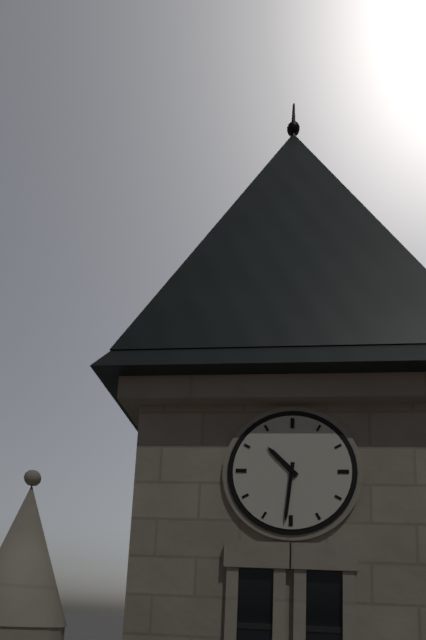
10,31
